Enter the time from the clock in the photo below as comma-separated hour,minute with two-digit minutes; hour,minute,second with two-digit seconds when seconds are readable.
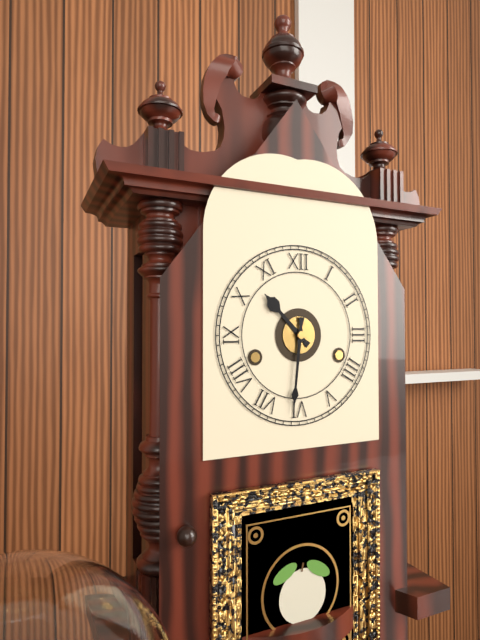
10,31
